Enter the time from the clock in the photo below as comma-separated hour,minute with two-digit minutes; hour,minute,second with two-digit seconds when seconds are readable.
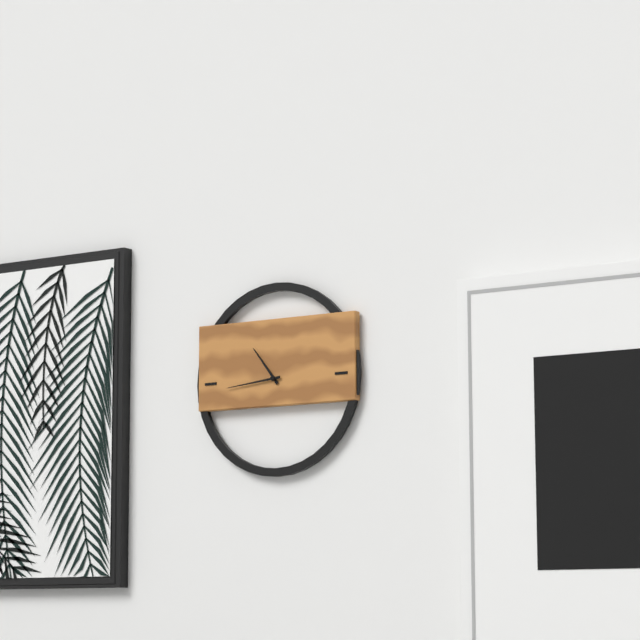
10,44
